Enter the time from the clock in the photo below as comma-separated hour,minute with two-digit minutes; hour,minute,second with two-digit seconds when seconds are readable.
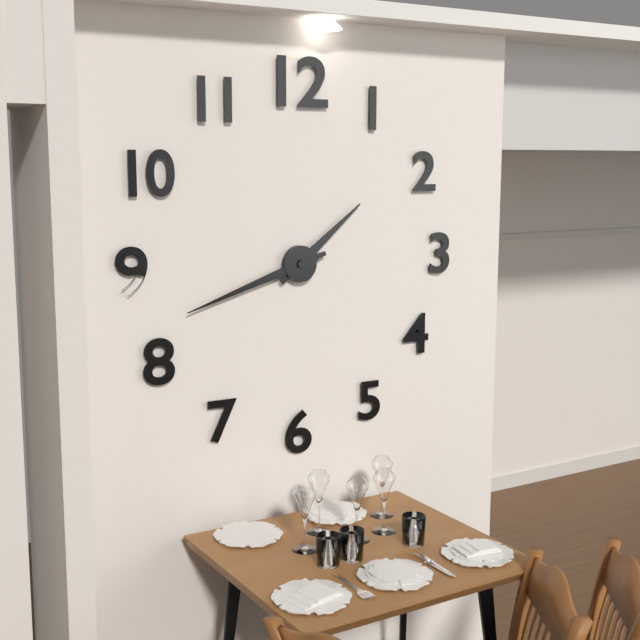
1,42
